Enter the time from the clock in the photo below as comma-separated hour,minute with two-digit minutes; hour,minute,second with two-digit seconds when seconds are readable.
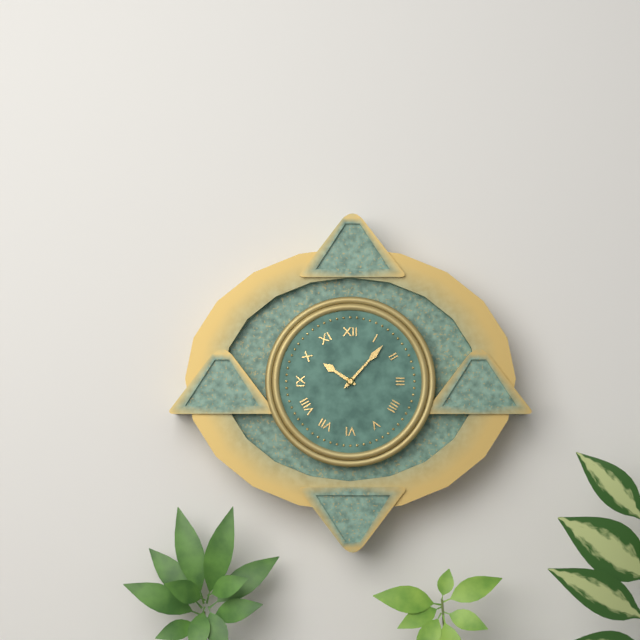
10,07
